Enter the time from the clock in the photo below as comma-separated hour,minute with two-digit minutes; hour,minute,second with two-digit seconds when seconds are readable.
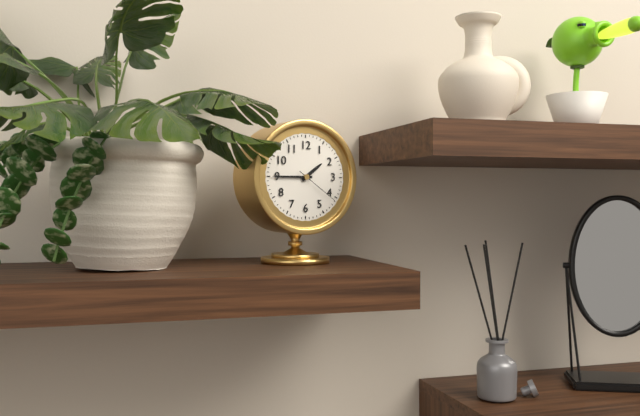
1,45
